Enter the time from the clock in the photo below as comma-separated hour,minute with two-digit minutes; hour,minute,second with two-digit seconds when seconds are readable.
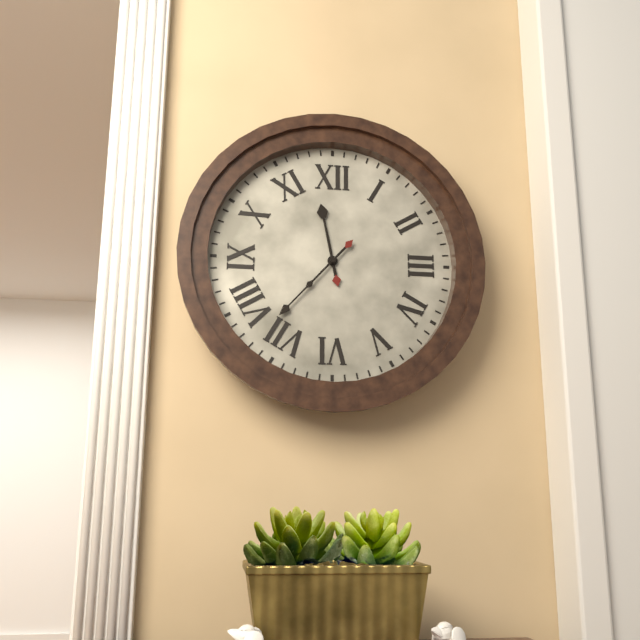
11,37
